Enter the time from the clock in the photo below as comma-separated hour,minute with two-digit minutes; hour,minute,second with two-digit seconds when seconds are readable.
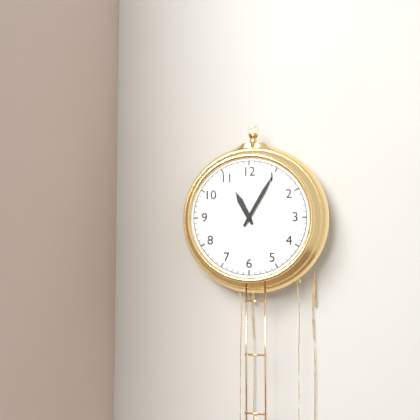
11,05
